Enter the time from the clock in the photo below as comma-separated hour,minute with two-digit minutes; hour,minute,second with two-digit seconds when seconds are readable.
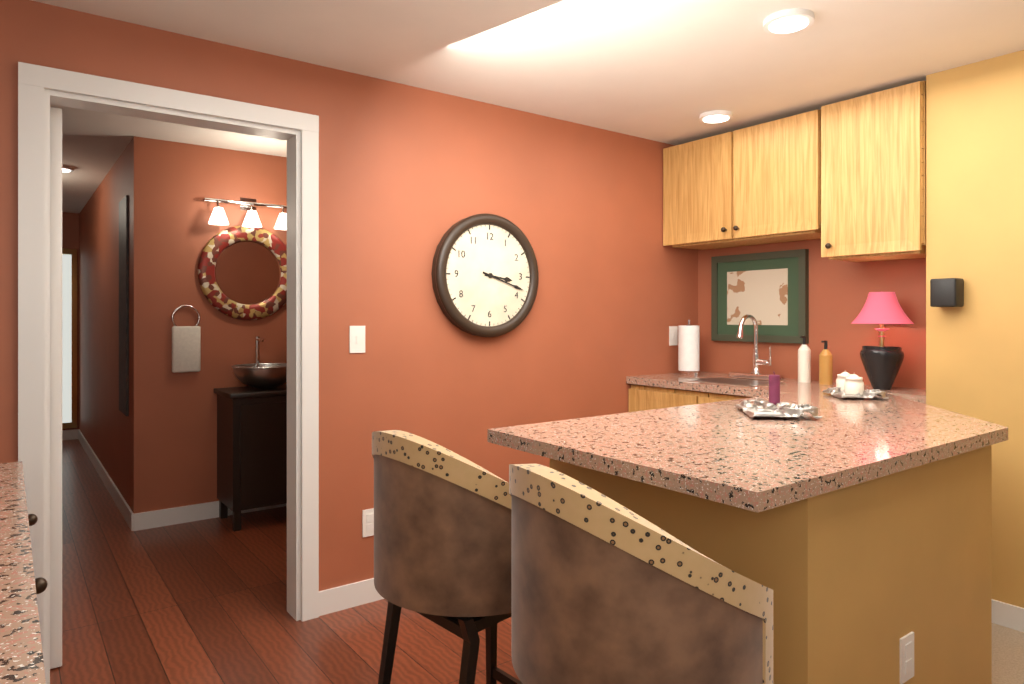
3,18
